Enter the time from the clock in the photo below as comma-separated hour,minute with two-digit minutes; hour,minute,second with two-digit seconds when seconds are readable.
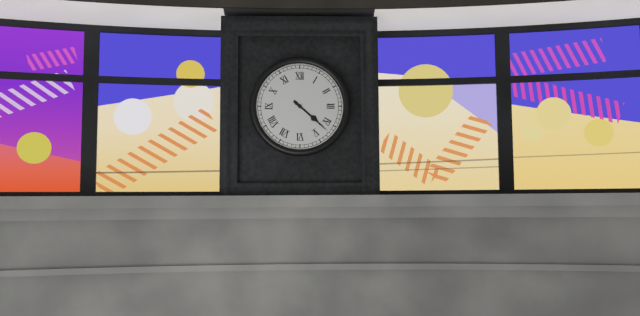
4,22
